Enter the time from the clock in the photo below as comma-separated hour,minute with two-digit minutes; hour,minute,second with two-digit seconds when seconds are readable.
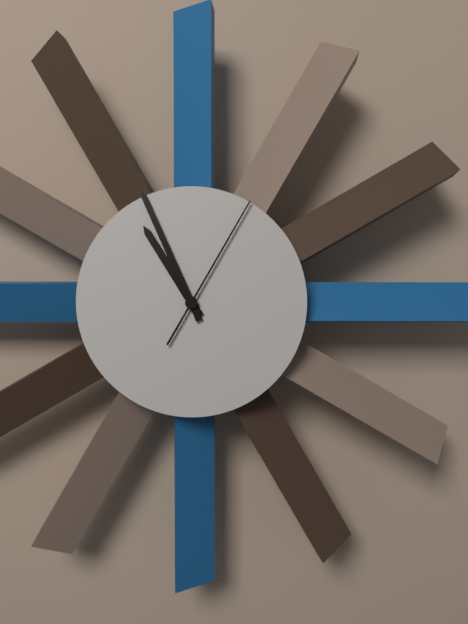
10,56,05
